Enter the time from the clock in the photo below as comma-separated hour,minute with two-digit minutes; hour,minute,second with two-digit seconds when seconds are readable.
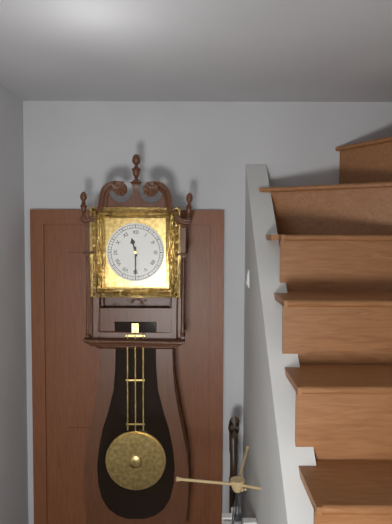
11,30
